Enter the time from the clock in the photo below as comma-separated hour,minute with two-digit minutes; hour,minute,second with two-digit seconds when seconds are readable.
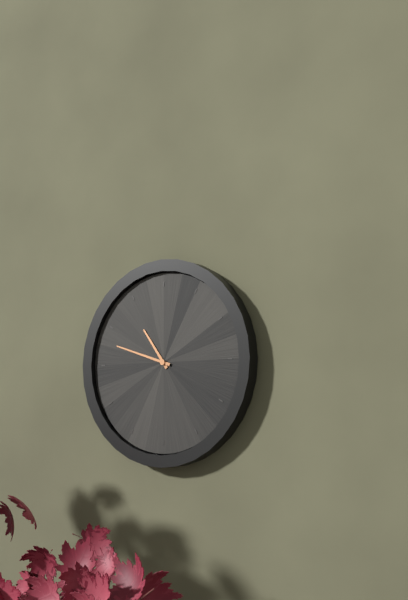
10,48
